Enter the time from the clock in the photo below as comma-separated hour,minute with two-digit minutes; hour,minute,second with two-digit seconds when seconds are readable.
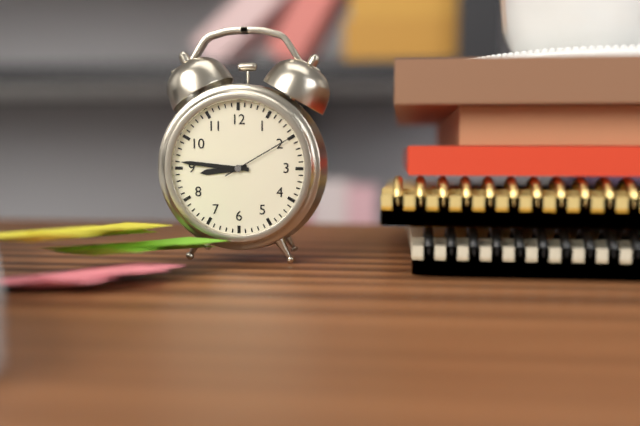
8,46,10
